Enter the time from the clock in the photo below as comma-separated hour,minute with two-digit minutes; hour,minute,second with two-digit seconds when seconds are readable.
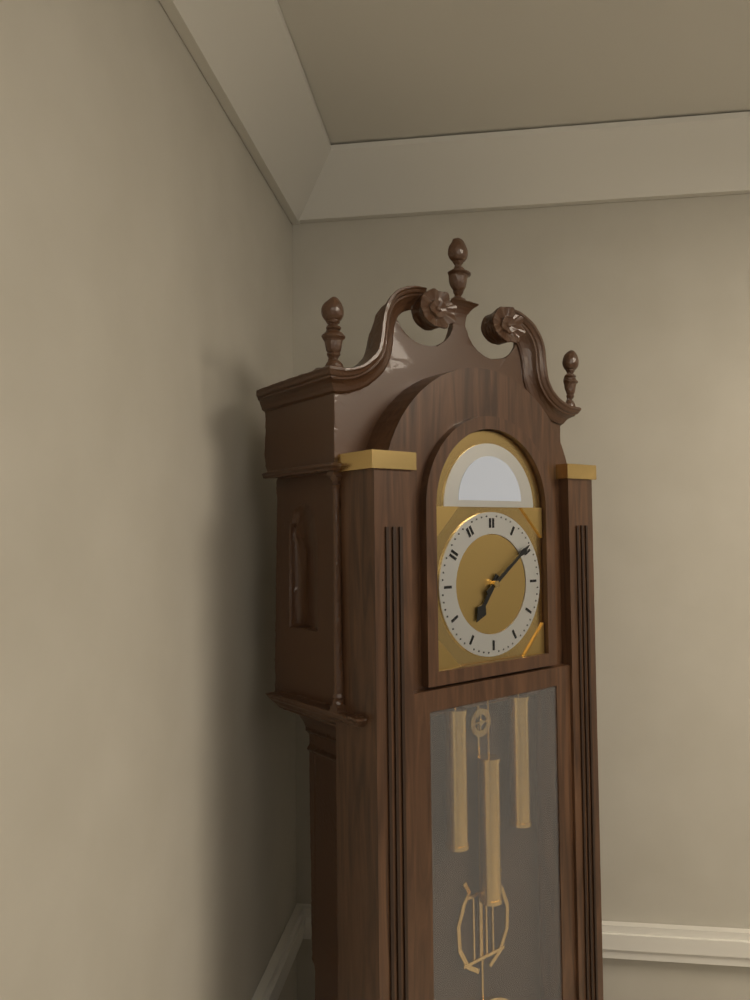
7,09
